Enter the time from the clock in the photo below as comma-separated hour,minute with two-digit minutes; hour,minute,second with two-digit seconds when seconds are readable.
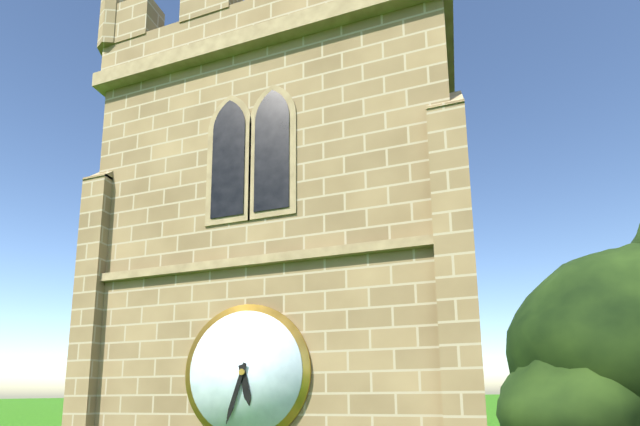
5,33
